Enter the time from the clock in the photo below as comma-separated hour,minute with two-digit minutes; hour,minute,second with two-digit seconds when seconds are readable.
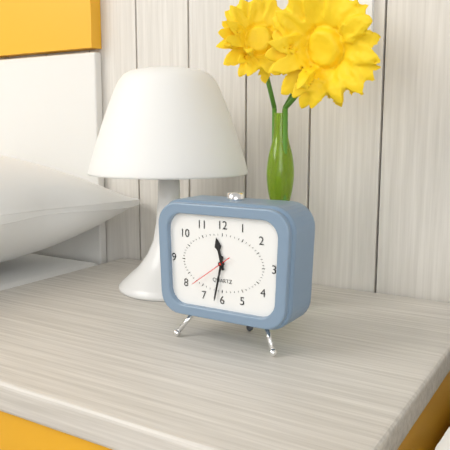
11,32
